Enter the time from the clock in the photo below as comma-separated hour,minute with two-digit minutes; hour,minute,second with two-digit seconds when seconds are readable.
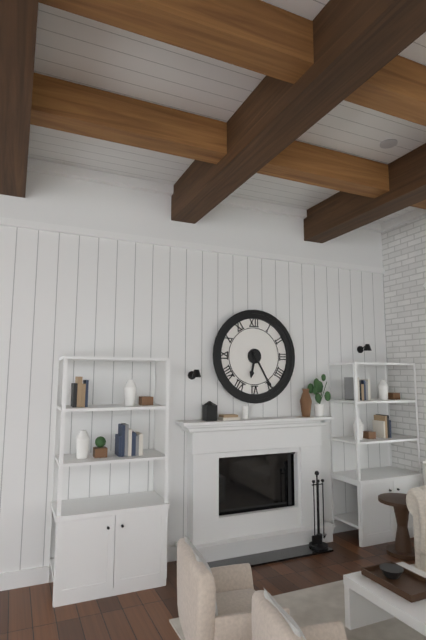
6,25
